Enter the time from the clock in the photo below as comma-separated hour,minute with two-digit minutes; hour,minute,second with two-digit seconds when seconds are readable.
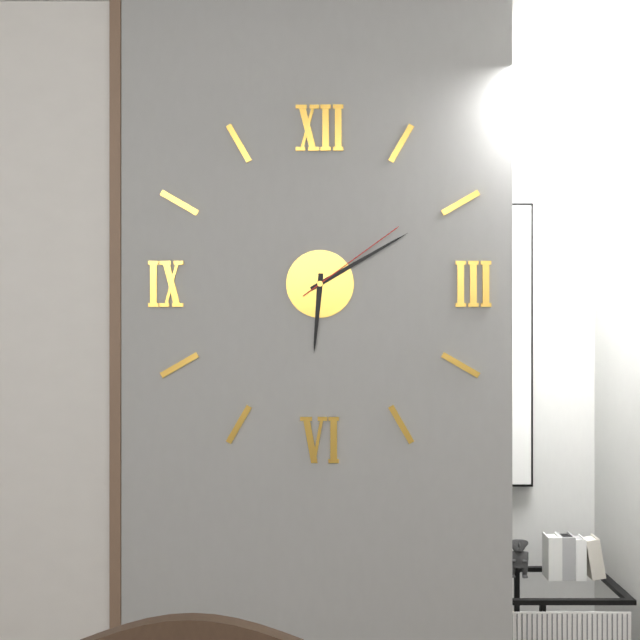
6,10,09
